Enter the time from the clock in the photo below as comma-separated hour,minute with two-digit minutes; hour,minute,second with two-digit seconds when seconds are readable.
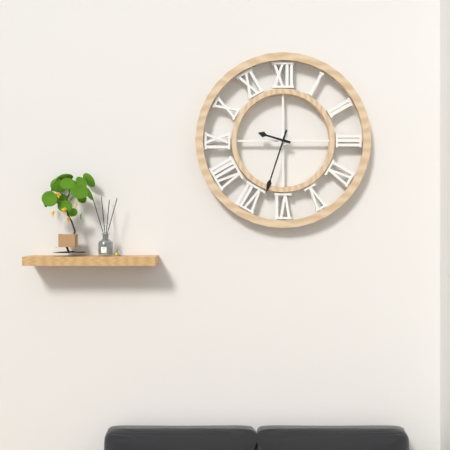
9,33
